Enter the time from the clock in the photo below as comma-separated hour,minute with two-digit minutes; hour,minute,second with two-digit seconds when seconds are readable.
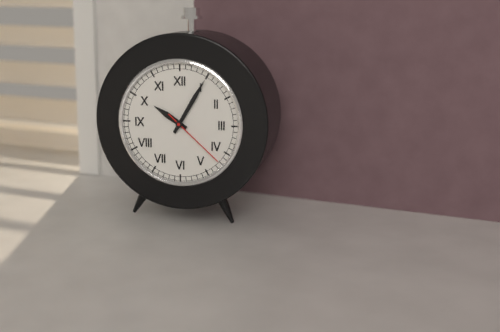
10,05,22
